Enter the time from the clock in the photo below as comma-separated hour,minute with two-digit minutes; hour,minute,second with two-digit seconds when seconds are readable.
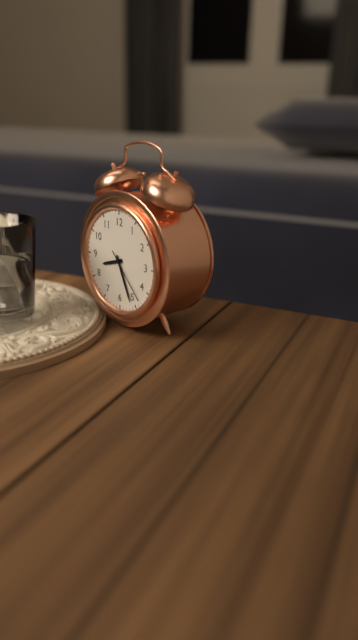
8,26,23
